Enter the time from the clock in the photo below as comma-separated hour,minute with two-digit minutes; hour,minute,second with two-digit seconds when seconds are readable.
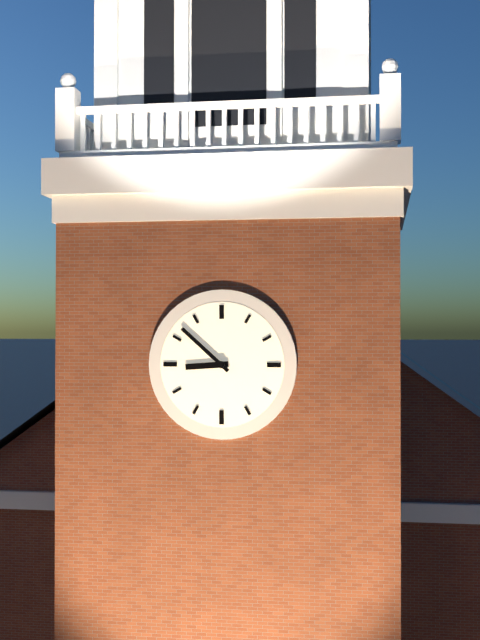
8,52
